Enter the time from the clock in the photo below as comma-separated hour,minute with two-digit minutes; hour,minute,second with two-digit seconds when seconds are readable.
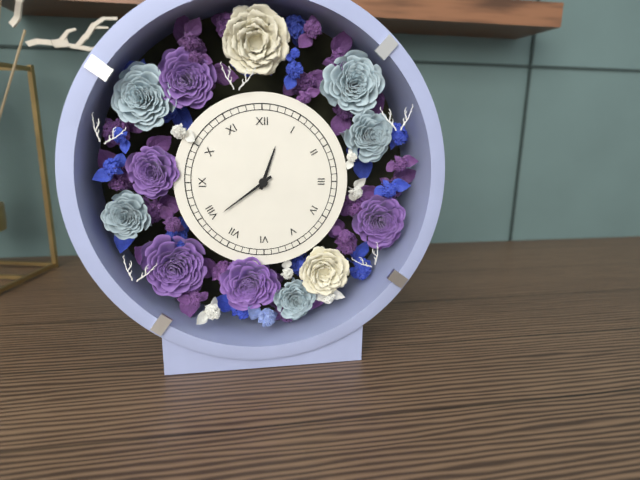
12,39
